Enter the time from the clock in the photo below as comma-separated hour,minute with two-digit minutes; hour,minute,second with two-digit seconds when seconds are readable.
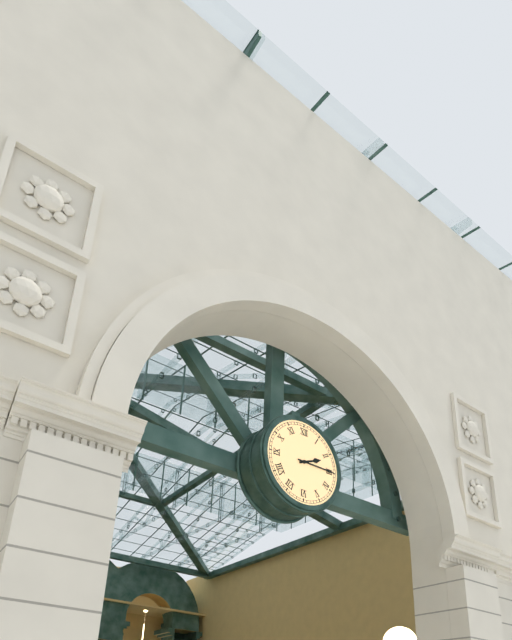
2,15
